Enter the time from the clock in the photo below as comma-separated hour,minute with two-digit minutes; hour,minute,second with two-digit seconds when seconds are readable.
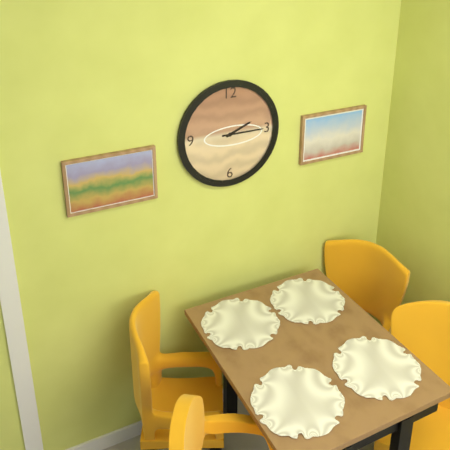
2,15
